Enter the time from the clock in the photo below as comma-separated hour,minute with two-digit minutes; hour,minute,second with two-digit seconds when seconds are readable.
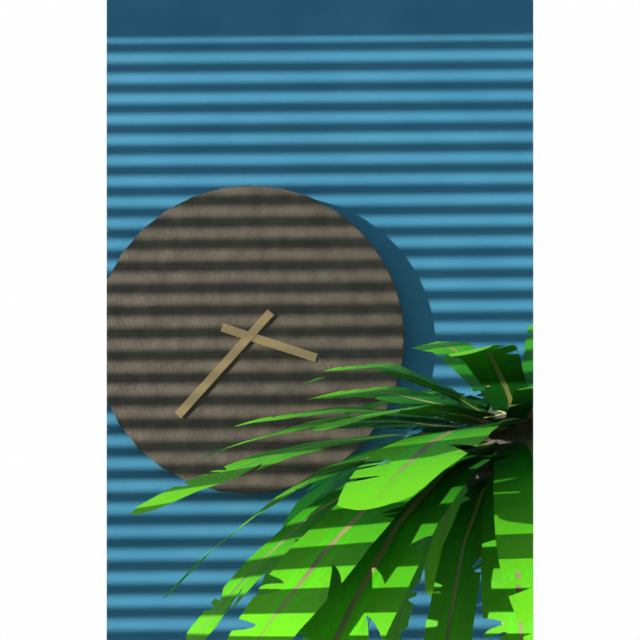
3,37
